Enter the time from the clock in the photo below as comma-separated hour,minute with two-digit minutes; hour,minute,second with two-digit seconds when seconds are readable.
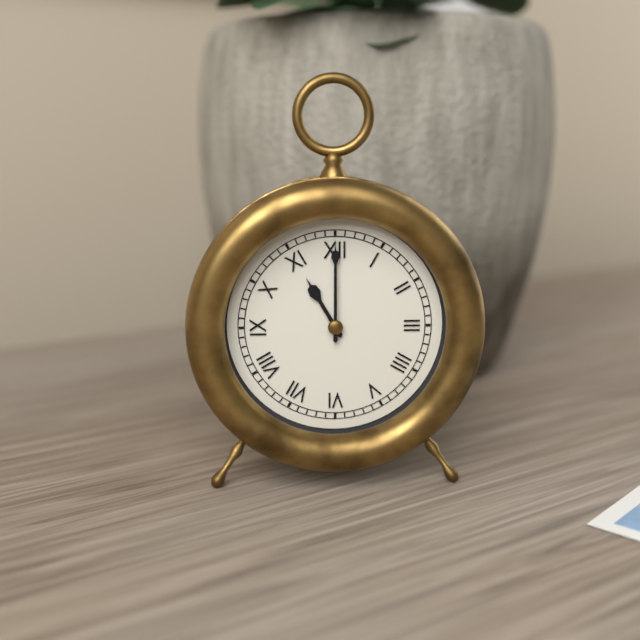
11,00
